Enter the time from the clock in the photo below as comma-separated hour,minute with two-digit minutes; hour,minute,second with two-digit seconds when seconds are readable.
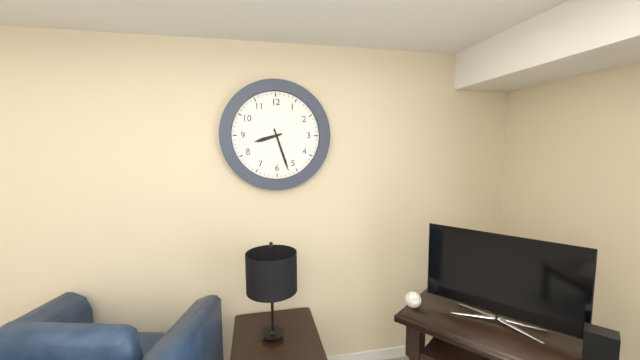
8,27
